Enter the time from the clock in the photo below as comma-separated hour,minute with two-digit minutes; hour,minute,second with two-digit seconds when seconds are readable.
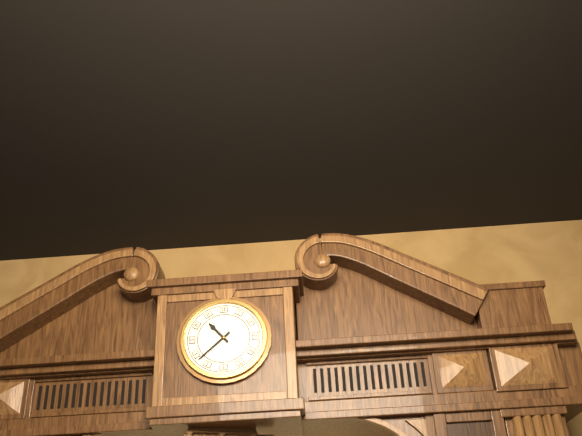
10,38
